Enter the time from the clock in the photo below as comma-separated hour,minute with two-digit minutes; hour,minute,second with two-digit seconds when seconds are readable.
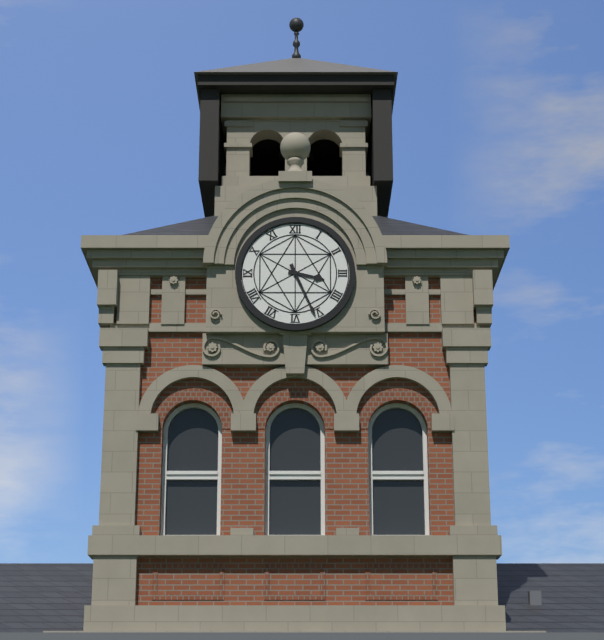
3,26
